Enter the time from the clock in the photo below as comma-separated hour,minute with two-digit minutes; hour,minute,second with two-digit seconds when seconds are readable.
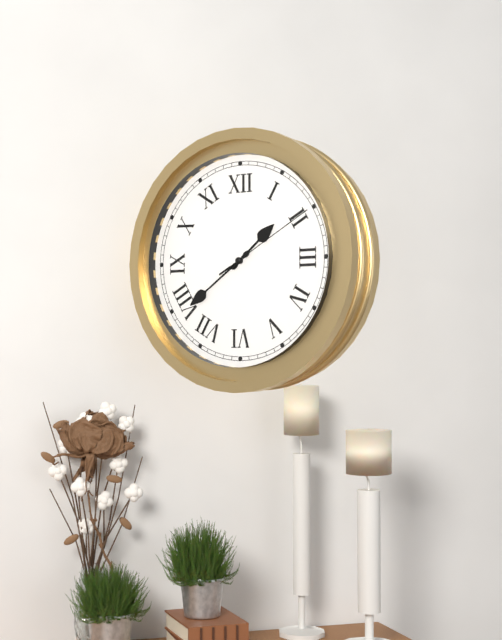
1,39,10
